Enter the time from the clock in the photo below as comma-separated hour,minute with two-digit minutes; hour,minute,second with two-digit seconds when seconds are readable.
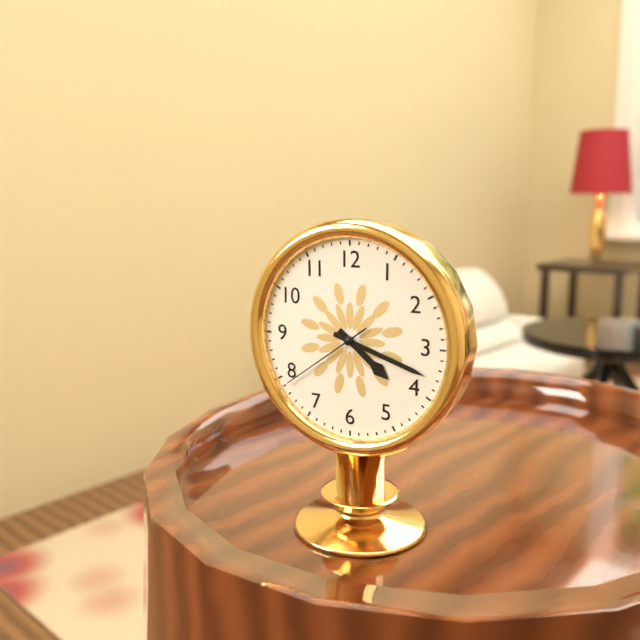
4,18,39
